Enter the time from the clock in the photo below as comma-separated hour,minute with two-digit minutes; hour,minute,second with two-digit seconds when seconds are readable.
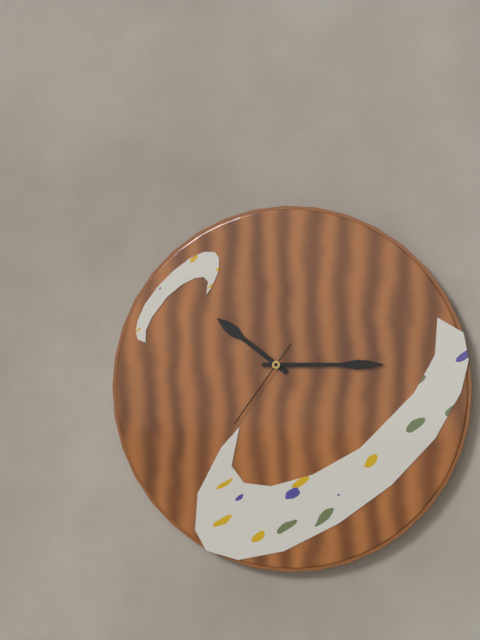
10,15,36
